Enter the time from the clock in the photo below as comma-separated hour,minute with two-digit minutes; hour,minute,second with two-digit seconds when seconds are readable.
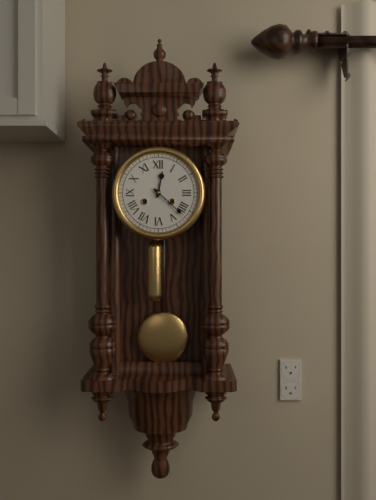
12,22
